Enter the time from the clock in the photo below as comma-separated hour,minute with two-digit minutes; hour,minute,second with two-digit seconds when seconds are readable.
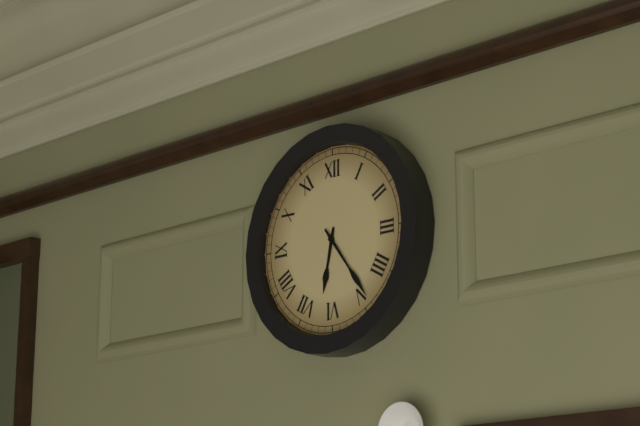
6,24
